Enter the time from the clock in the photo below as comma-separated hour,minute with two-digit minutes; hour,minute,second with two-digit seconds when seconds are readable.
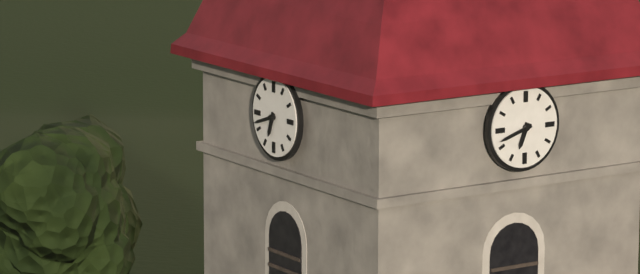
6,42
